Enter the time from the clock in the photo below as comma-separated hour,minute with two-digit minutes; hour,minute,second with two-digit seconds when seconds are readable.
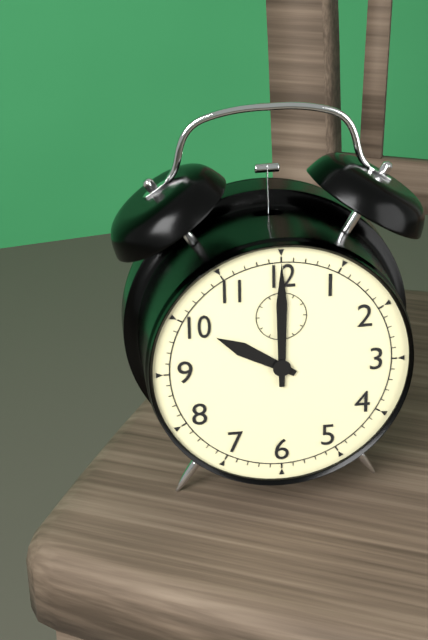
10,00
